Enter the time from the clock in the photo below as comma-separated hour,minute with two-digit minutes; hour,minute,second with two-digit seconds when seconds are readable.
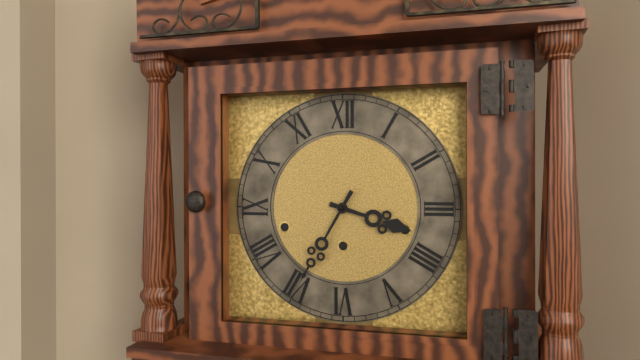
3,35
